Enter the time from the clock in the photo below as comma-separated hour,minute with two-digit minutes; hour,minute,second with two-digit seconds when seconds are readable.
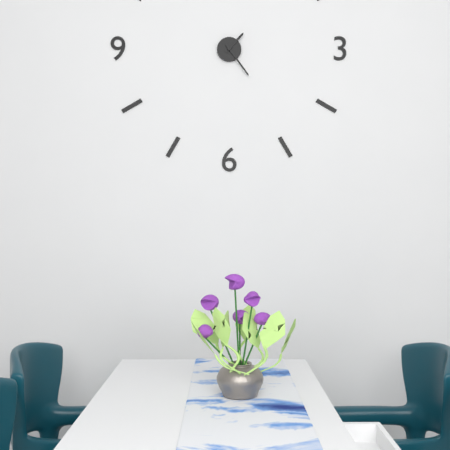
1,24
